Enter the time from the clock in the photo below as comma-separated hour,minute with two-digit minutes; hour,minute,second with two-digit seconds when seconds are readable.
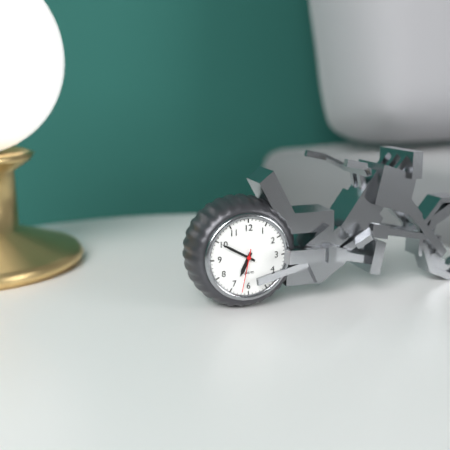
6,50
